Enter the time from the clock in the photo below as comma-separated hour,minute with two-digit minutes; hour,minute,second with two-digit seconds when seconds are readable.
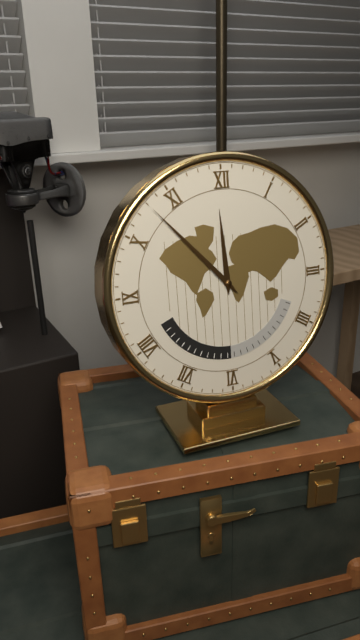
11,53
